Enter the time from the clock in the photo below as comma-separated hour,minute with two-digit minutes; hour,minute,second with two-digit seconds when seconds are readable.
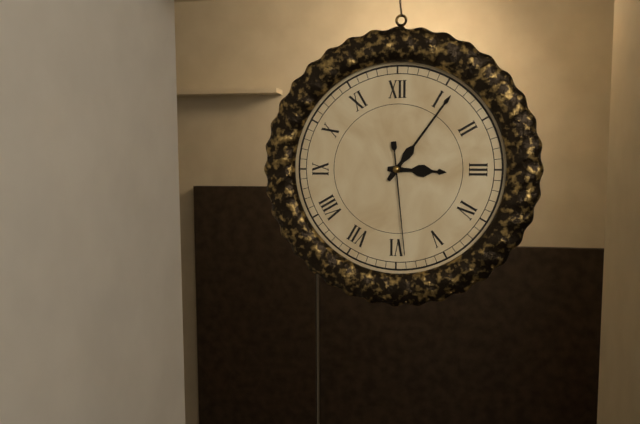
3,06,29
